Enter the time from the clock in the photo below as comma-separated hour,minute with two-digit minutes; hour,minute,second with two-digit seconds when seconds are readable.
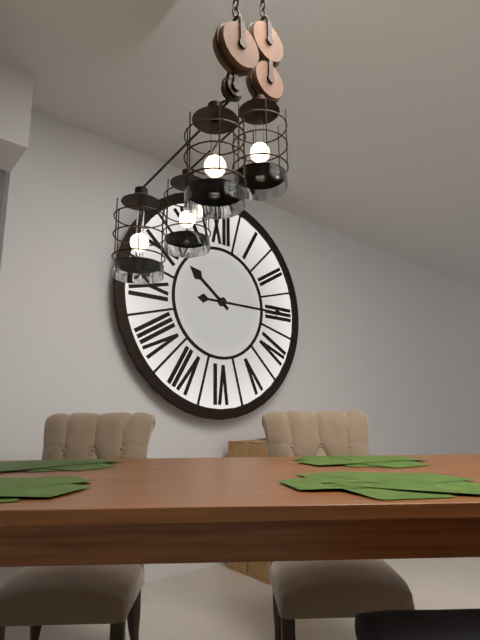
10,15
